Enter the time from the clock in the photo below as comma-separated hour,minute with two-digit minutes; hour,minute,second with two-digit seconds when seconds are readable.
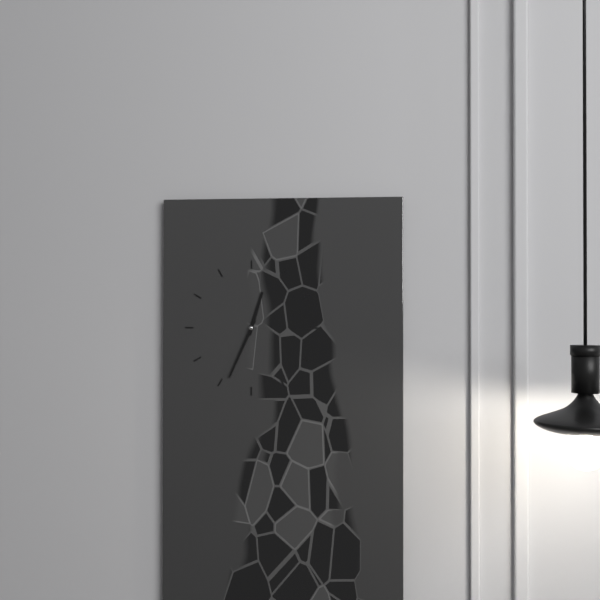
12,34
